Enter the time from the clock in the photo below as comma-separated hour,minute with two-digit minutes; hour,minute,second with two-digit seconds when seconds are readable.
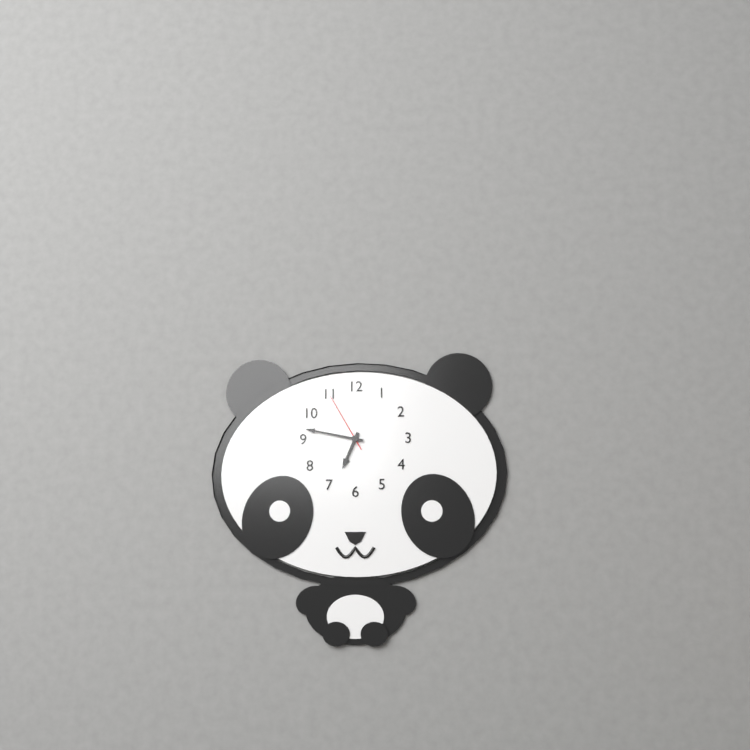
6,47,55
